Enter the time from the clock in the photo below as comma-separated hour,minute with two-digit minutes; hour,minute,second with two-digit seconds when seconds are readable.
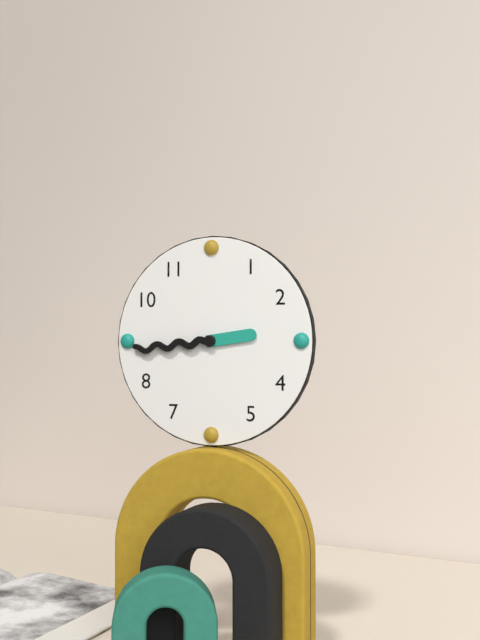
2,44
